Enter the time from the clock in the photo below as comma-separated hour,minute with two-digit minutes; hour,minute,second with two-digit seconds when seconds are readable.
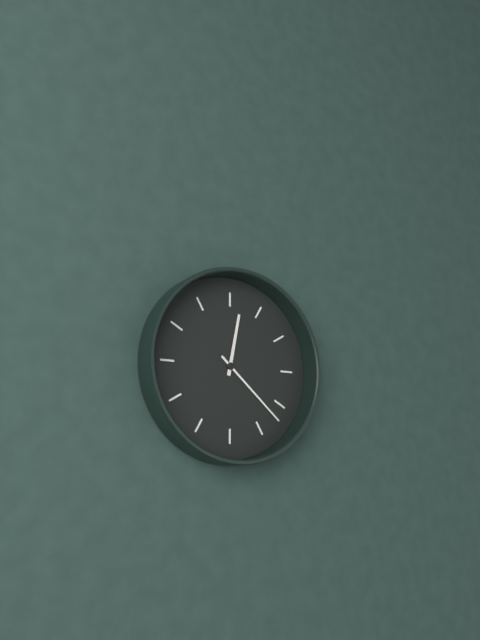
12,22
